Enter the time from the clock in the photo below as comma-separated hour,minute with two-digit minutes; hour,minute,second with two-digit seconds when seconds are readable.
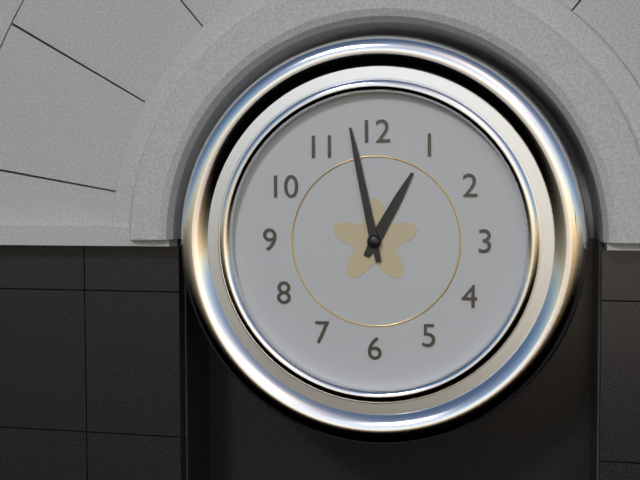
12,58
